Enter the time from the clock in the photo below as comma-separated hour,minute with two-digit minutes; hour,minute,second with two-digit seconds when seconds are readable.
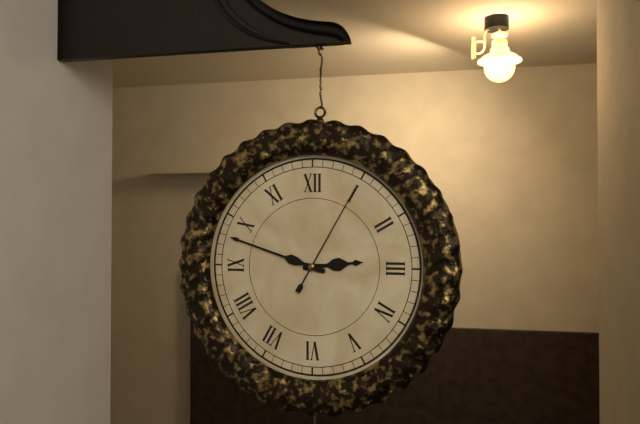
2,48,05
